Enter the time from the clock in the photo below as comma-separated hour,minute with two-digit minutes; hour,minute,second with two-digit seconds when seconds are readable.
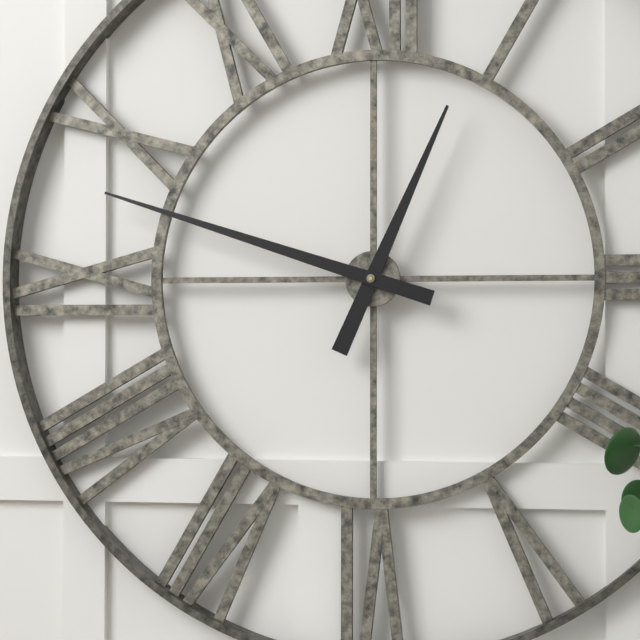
12,48
